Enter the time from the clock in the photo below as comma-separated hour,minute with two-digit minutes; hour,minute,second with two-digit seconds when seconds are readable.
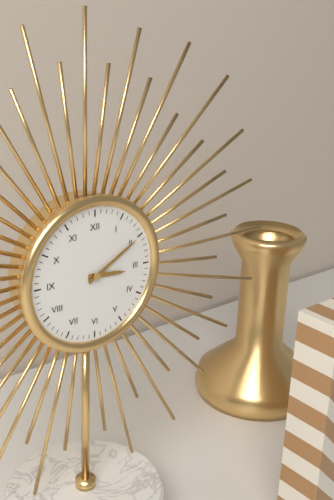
3,10
